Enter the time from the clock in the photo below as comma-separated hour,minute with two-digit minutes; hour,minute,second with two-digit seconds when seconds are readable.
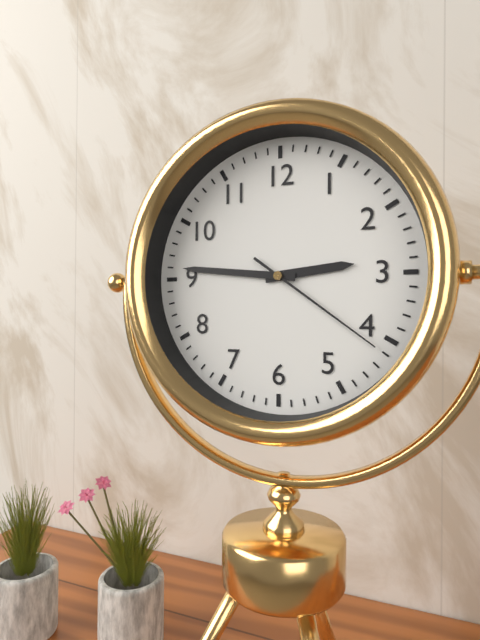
2,46,21
